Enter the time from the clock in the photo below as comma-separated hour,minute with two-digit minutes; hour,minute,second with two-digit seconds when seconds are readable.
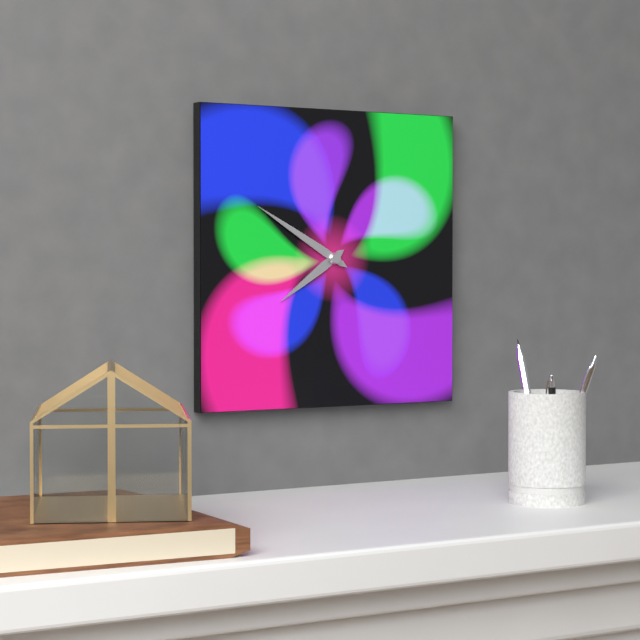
7,50
